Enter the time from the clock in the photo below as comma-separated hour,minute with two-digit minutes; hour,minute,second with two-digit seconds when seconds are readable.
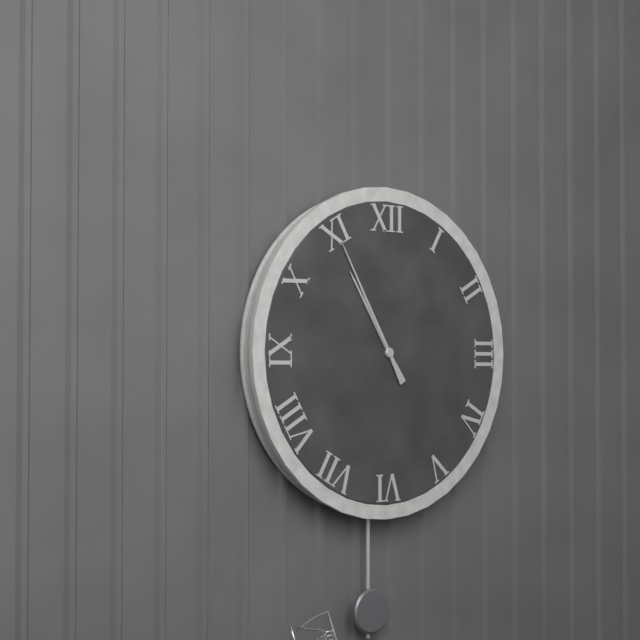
10,55
